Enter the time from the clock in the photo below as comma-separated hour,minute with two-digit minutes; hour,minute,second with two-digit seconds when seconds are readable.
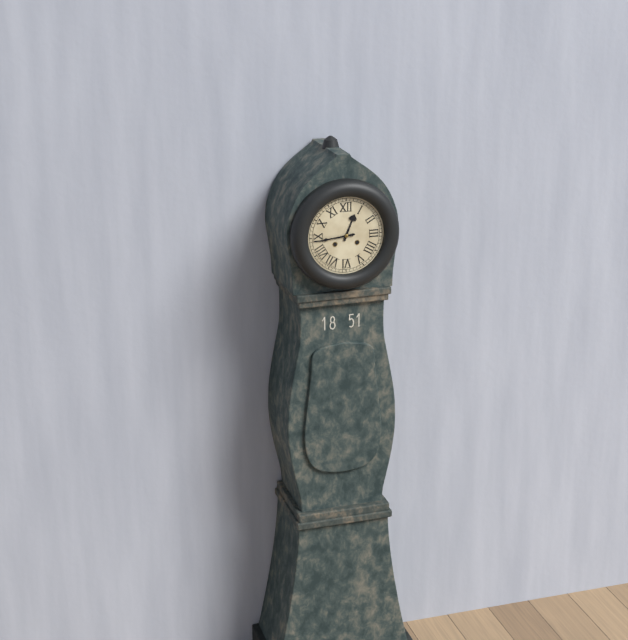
12,44
